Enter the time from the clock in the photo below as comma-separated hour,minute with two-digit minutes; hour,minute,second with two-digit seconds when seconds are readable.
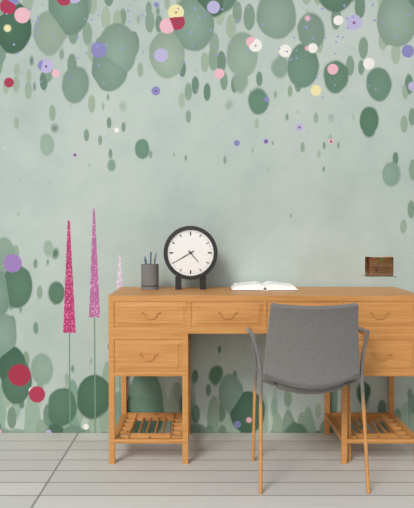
4,40
